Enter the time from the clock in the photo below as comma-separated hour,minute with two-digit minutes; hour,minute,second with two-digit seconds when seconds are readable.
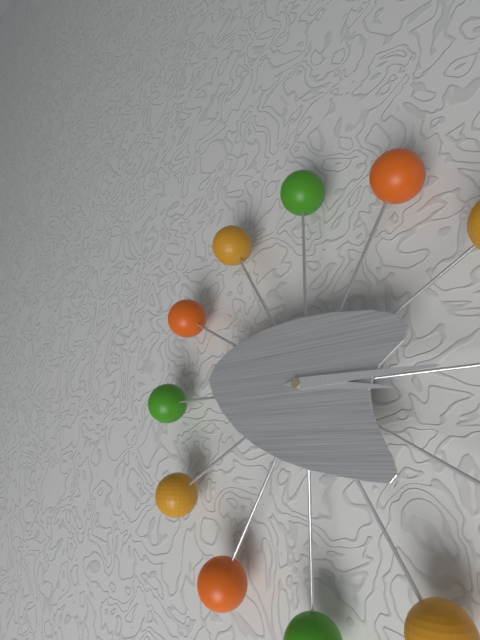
3,15
